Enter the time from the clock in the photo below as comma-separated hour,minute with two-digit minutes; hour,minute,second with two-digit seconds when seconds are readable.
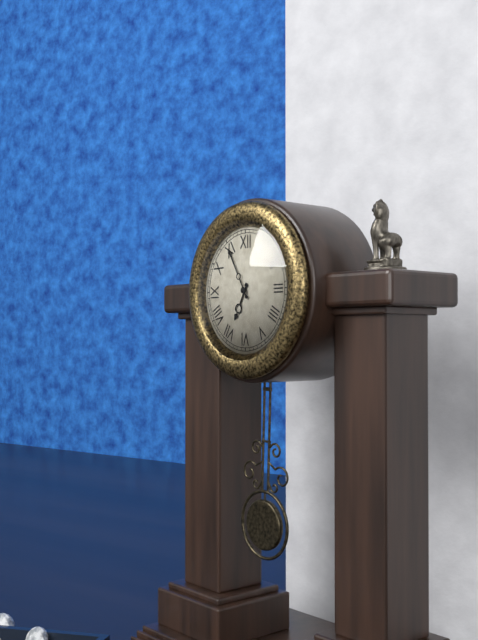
6,55
